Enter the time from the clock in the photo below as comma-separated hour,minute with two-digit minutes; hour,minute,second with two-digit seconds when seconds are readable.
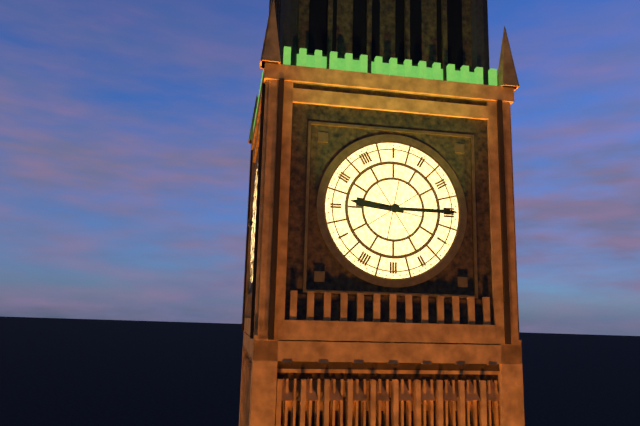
9,15
